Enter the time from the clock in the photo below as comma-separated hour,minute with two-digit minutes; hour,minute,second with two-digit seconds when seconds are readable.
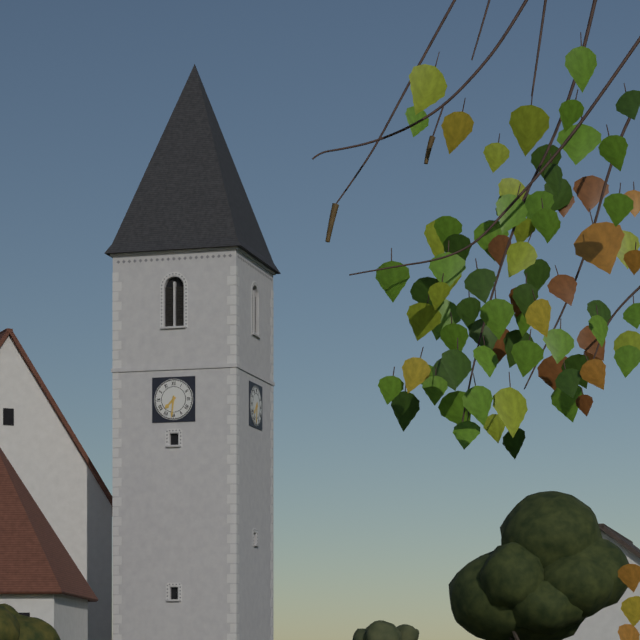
7,31
